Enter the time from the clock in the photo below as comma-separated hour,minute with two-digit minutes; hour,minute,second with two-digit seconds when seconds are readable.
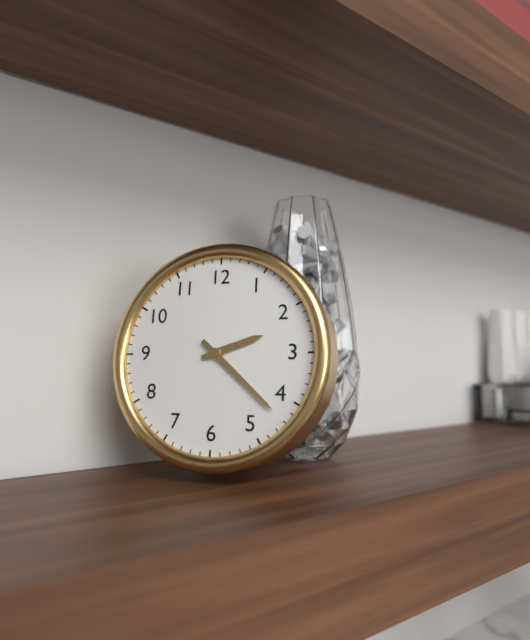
2,22
